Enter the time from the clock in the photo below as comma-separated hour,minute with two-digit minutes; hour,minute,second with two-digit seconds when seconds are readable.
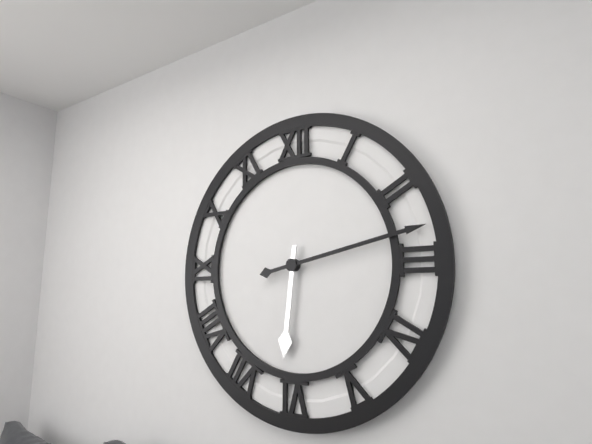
6,13
